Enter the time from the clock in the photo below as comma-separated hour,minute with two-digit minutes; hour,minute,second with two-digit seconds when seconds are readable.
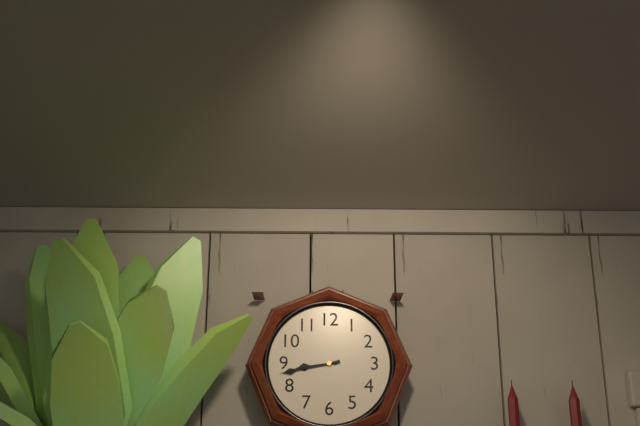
8,43
